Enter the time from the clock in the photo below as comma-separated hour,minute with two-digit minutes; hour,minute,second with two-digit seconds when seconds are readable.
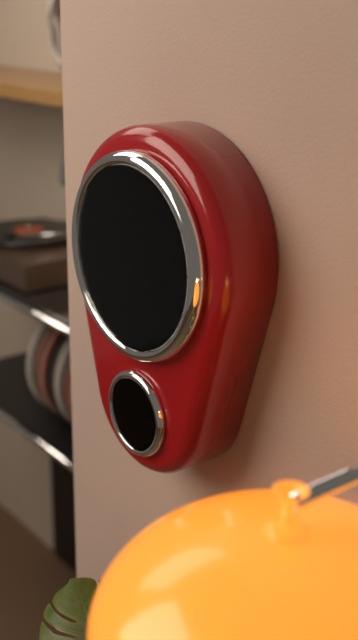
6,25,03
